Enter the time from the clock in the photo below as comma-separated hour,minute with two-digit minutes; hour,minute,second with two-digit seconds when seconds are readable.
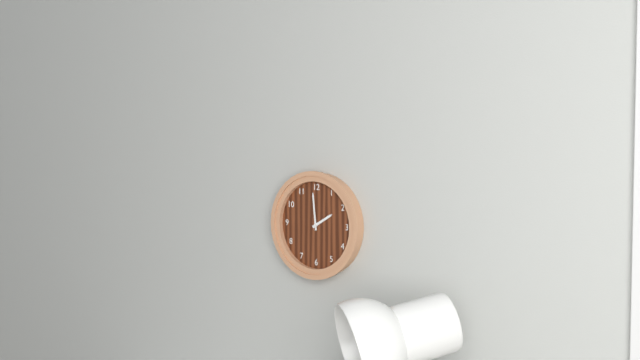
1,59
